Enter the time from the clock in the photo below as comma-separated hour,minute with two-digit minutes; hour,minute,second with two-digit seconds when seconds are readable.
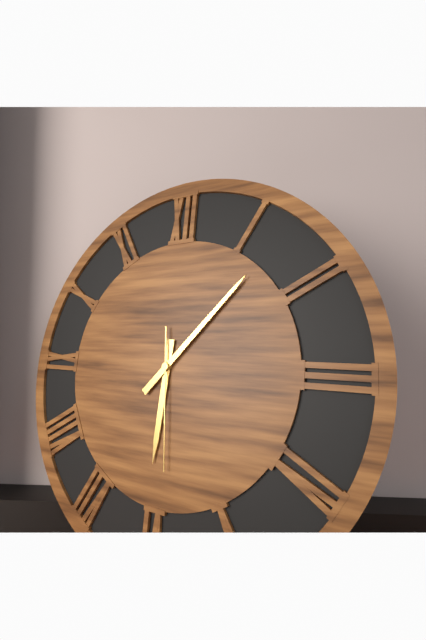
6,07,29
